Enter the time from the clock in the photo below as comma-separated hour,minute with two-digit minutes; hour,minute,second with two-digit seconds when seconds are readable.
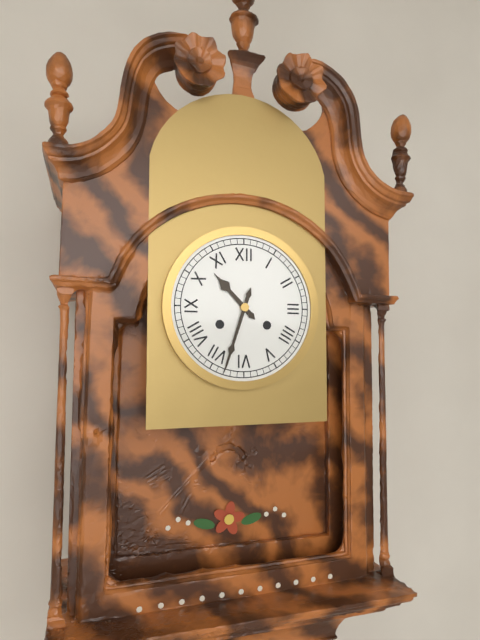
10,33
